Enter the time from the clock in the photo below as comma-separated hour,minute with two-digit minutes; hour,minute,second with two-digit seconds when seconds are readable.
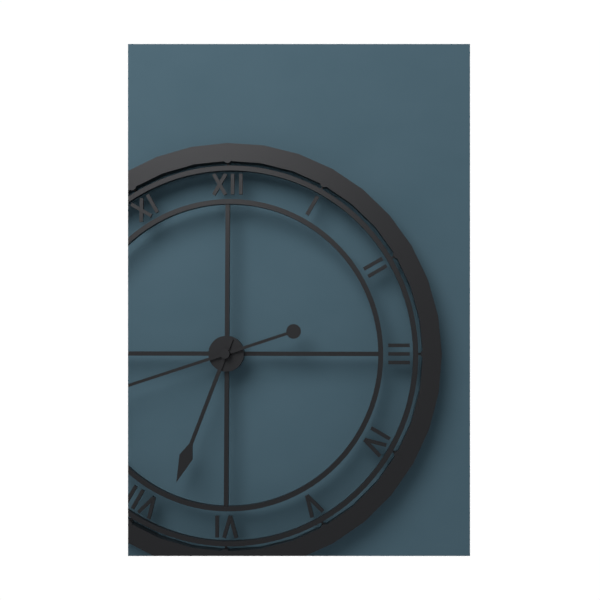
6,42
